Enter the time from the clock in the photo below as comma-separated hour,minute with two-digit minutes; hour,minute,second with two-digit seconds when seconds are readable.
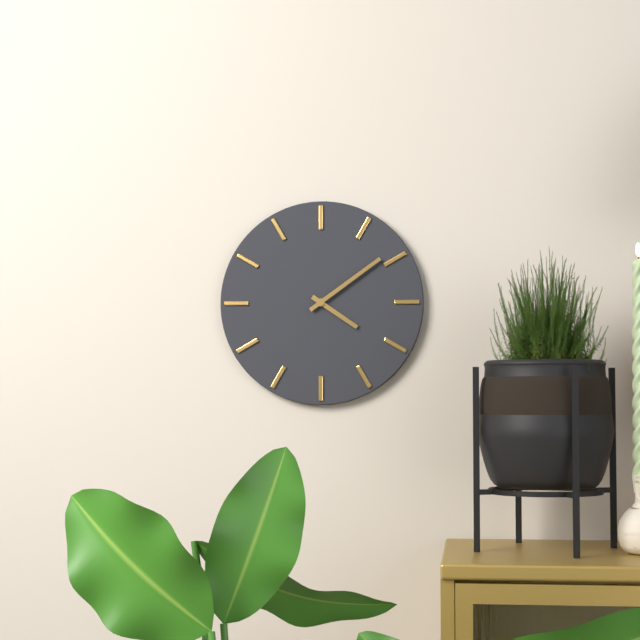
4,09
